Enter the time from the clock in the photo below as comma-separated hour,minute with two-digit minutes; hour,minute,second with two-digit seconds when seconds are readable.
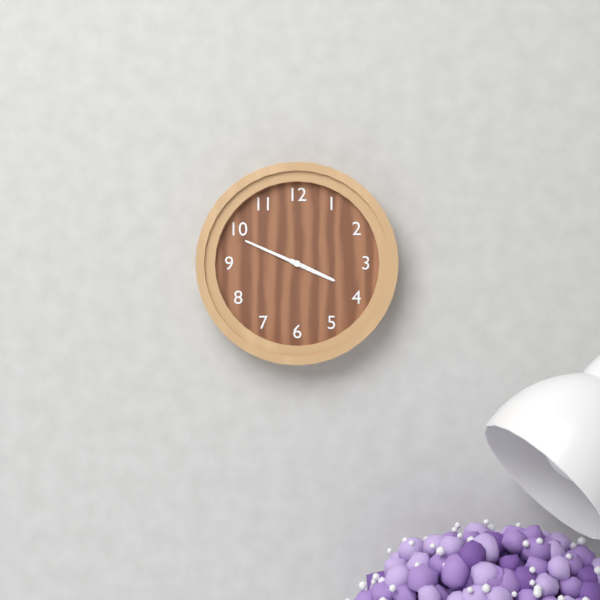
3,49
